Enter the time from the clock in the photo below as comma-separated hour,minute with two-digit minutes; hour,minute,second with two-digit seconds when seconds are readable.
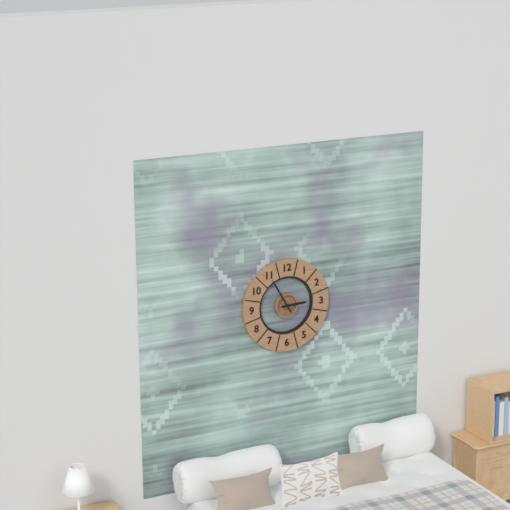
2,55
